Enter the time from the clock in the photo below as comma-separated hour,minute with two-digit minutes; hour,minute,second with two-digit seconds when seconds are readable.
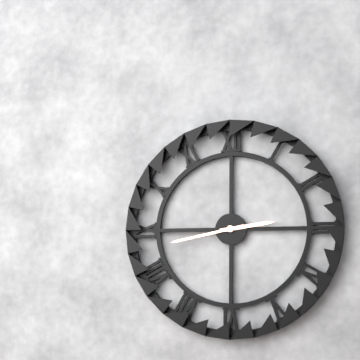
2,43
